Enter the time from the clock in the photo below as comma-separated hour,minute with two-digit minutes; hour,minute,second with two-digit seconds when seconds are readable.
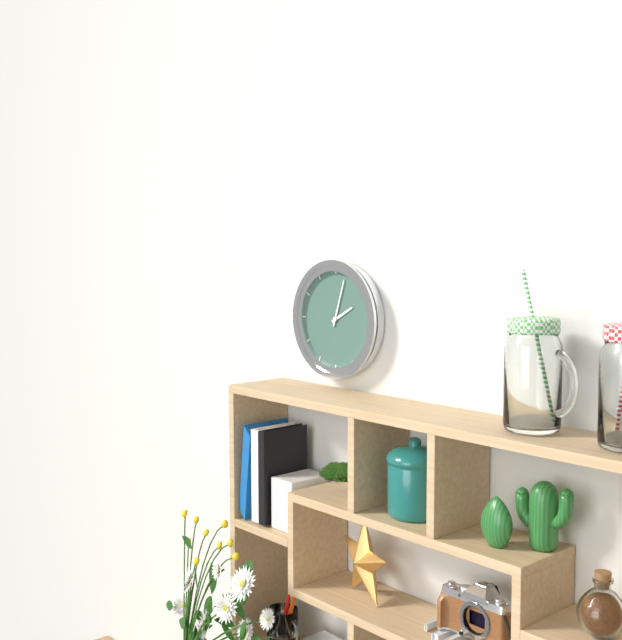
2,03
